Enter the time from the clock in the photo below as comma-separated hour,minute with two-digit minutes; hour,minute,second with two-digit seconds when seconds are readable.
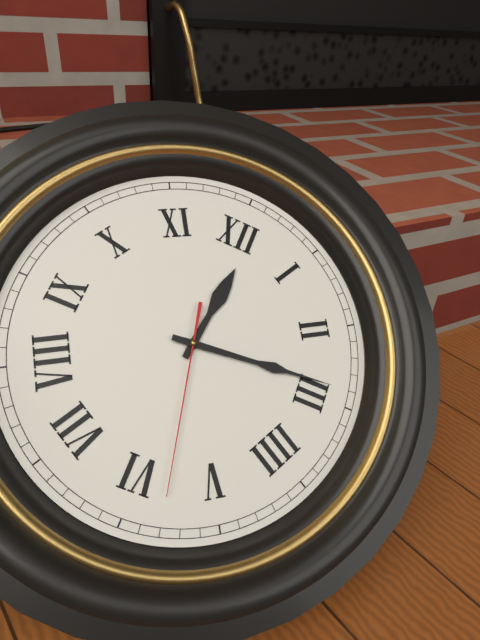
12,14,28
